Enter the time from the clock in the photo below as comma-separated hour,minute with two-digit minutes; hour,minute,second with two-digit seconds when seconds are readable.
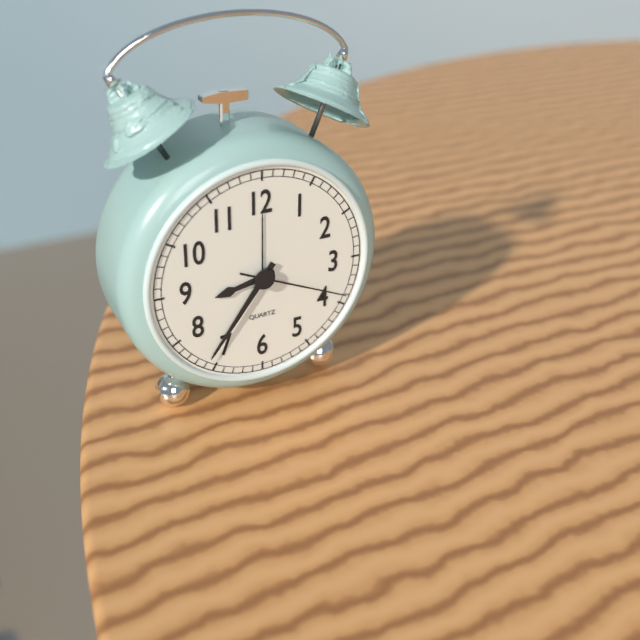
8,36,19
